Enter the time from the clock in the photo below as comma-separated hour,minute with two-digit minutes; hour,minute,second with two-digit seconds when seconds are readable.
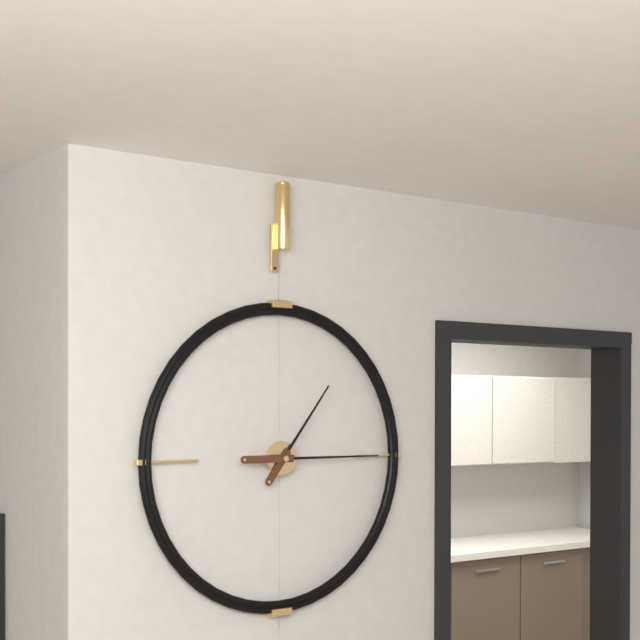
1,15
